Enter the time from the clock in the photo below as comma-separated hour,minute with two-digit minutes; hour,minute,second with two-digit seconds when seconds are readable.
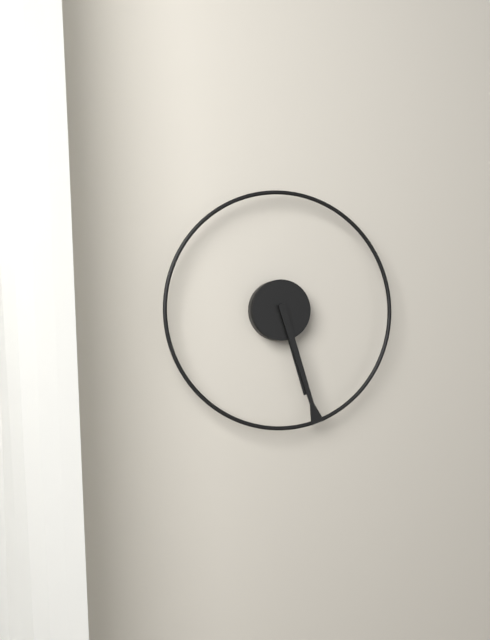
5,27
